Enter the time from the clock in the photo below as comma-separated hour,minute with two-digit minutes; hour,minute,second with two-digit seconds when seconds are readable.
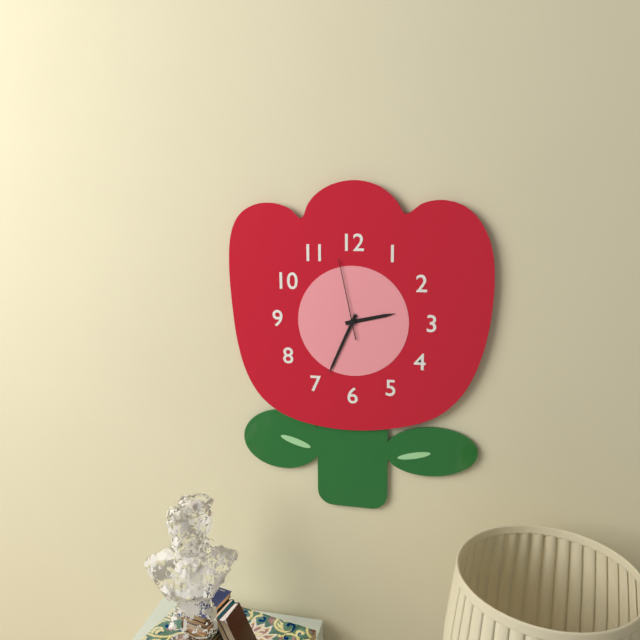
2,34,58
